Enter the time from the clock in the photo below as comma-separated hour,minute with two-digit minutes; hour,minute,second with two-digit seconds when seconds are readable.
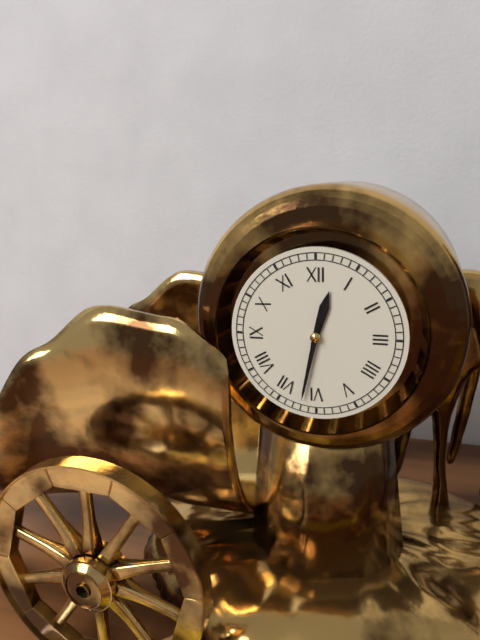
12,32
